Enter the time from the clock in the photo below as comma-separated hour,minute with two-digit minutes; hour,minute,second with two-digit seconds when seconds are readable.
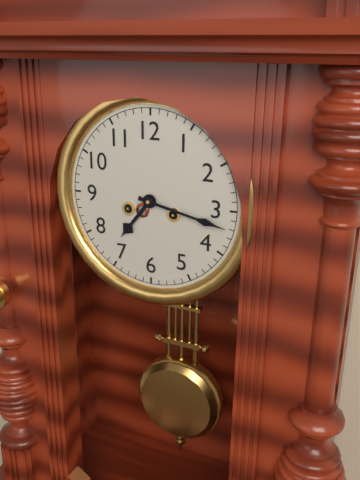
7,17
